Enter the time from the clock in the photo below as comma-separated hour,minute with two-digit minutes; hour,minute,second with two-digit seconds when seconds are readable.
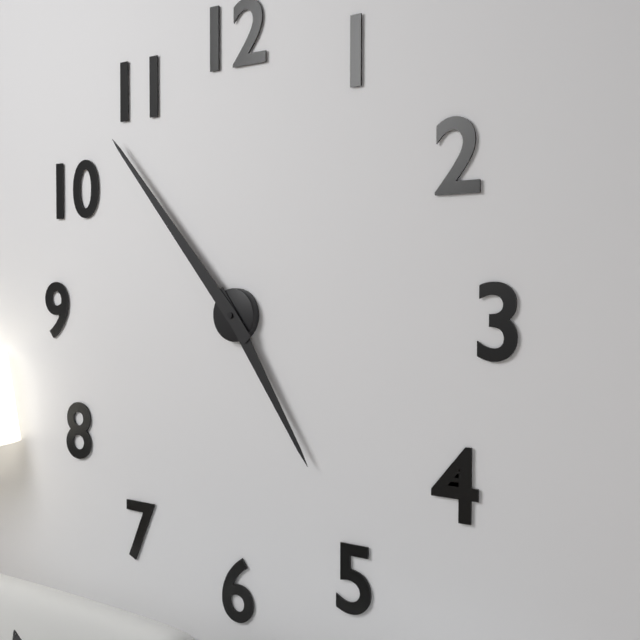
4,53
